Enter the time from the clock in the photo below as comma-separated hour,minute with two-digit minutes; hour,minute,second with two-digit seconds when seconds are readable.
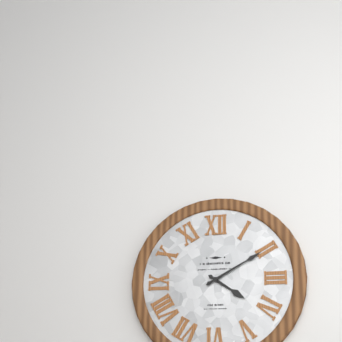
4,10
